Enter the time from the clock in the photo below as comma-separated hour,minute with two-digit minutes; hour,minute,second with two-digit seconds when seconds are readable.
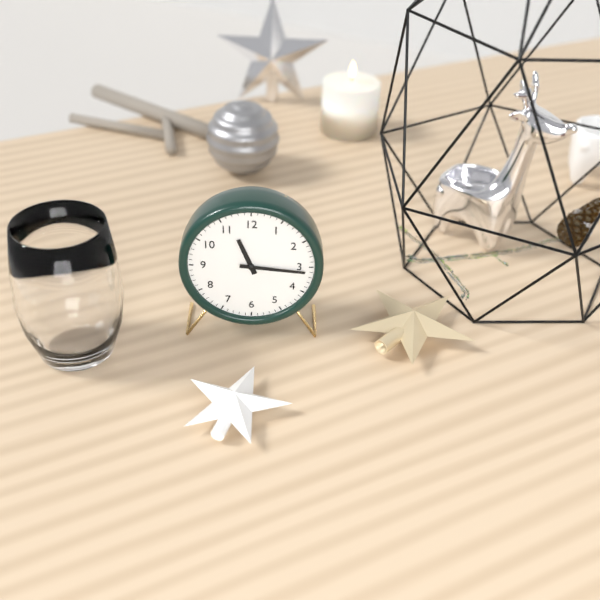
11,16
